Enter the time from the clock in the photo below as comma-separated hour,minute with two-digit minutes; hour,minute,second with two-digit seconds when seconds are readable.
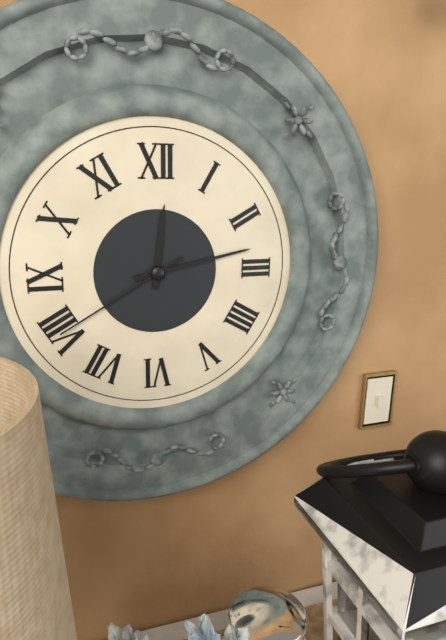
12,13,40
